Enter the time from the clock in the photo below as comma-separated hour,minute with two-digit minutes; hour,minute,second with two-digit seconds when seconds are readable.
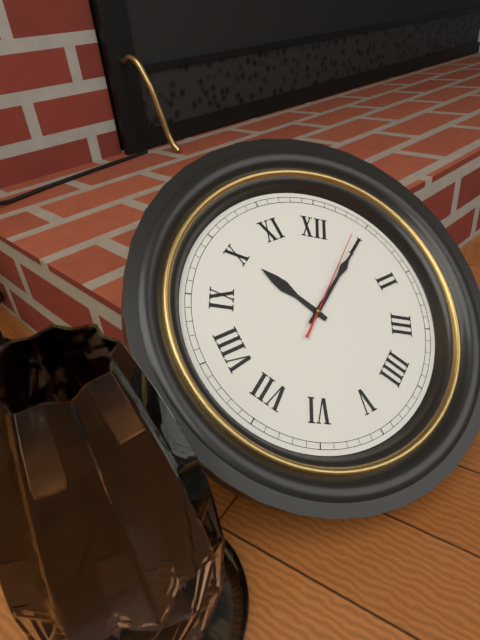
10,05,04
